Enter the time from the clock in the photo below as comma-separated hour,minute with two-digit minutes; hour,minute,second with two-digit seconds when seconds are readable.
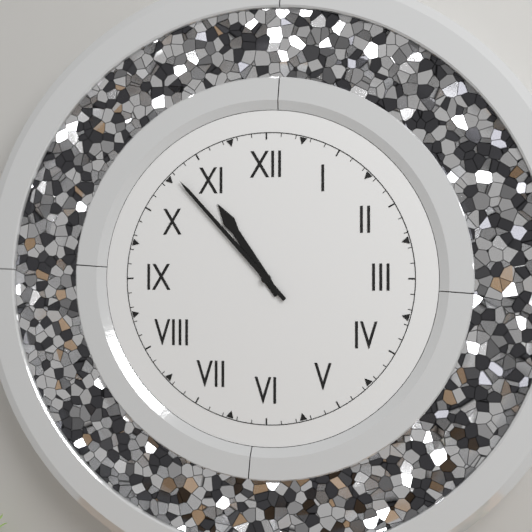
10,53
